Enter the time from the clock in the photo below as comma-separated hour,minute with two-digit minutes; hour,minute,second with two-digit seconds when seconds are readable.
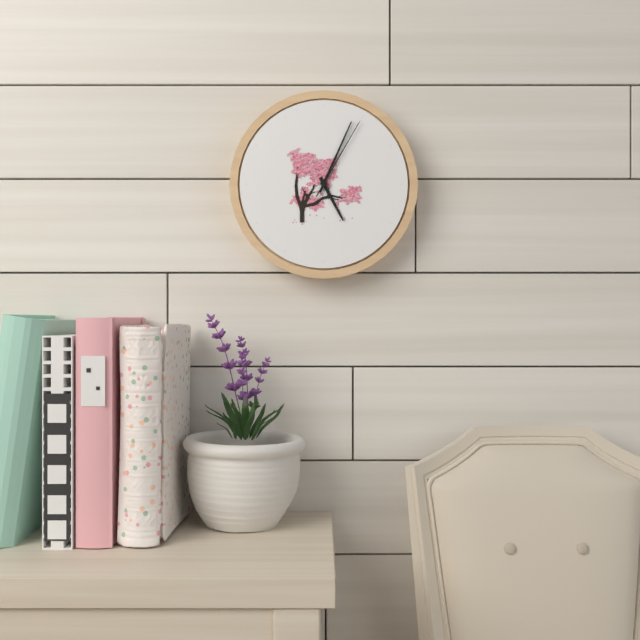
5,04,05
